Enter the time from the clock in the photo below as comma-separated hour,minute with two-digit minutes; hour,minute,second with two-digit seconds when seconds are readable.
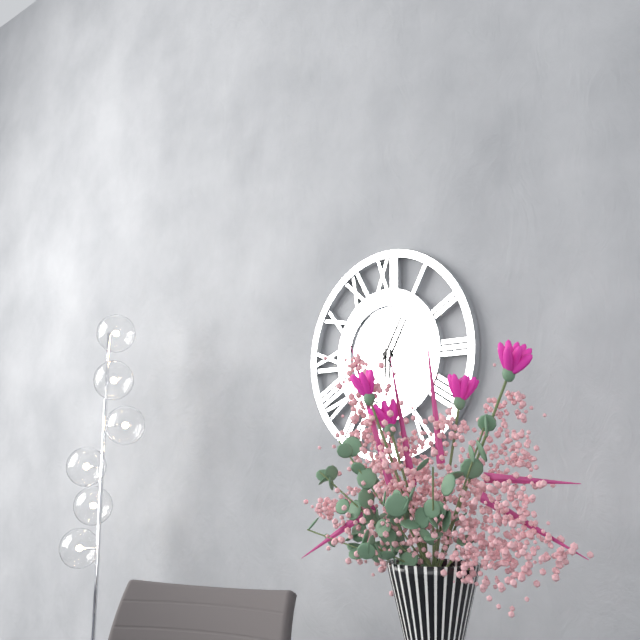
6,05
